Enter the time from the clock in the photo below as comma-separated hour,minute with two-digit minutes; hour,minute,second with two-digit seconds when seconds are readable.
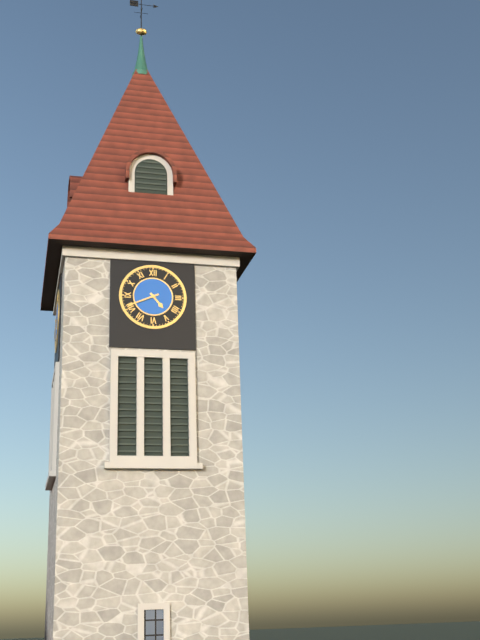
4,41
